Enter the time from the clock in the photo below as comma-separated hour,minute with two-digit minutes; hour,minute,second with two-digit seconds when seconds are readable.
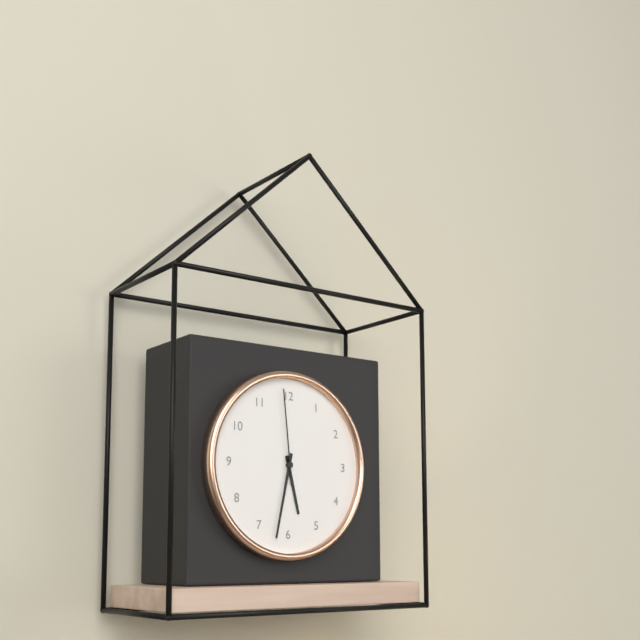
5,32,59
